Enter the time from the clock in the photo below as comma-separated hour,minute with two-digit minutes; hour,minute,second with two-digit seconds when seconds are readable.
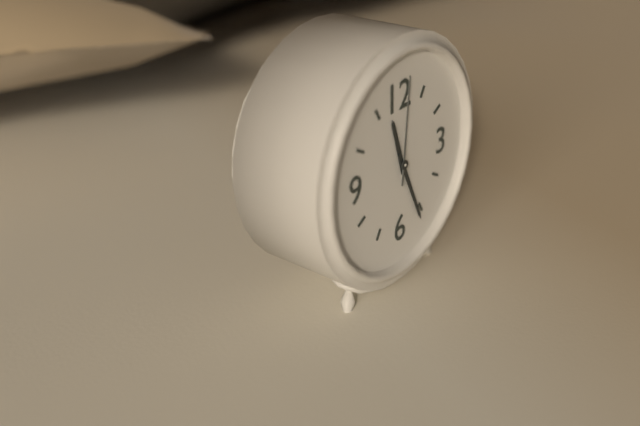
11,26,01
